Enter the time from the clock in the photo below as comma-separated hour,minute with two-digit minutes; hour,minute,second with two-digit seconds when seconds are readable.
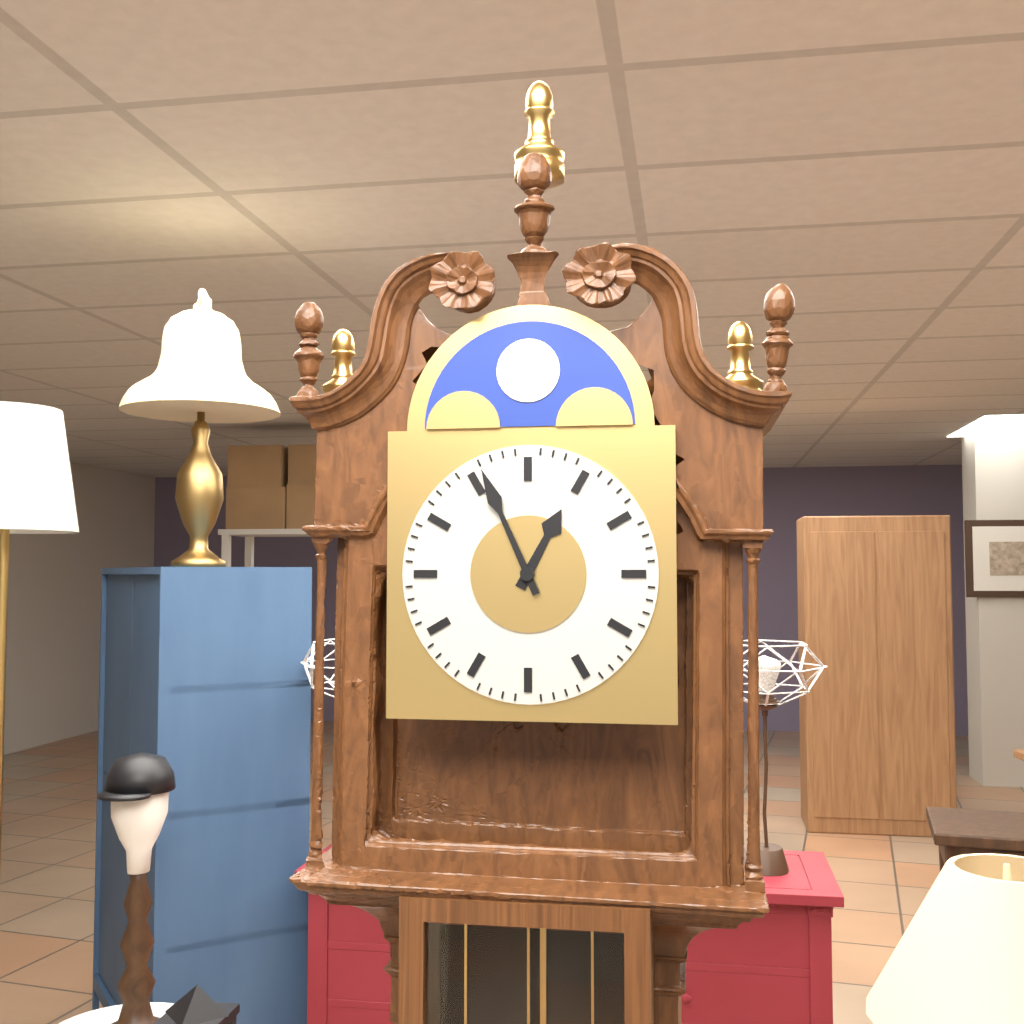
12,56
